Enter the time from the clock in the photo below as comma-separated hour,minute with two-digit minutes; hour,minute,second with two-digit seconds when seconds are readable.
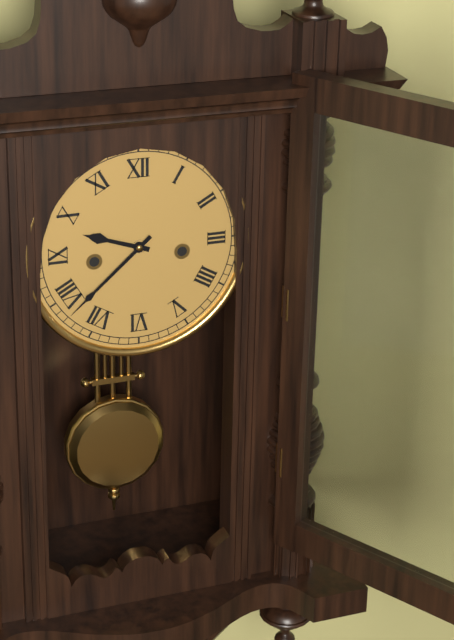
9,38
